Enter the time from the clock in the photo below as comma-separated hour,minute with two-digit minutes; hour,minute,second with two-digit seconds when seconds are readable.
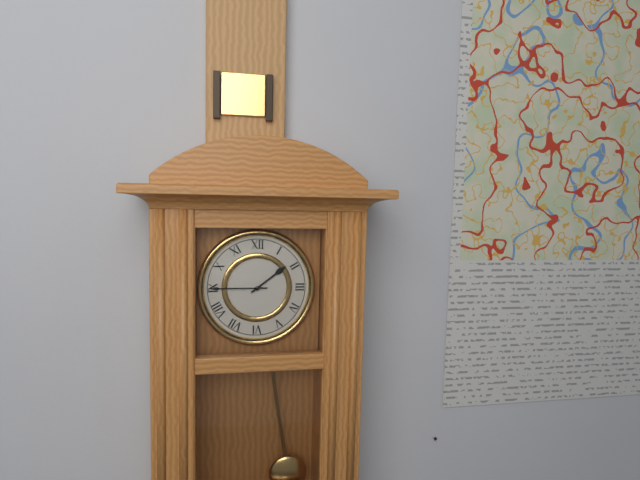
1,45
